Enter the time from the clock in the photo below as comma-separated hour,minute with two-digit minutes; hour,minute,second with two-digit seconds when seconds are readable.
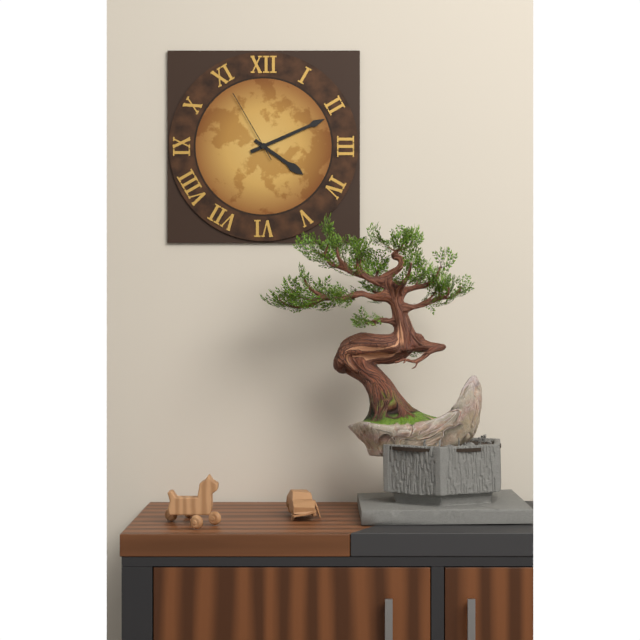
4,11,55
